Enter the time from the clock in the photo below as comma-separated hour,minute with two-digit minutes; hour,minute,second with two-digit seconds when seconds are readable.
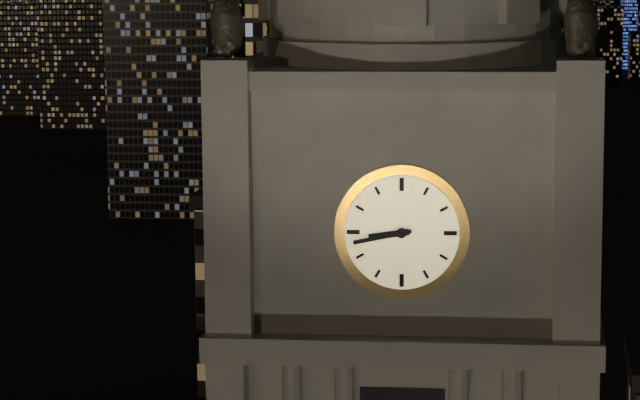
8,43
